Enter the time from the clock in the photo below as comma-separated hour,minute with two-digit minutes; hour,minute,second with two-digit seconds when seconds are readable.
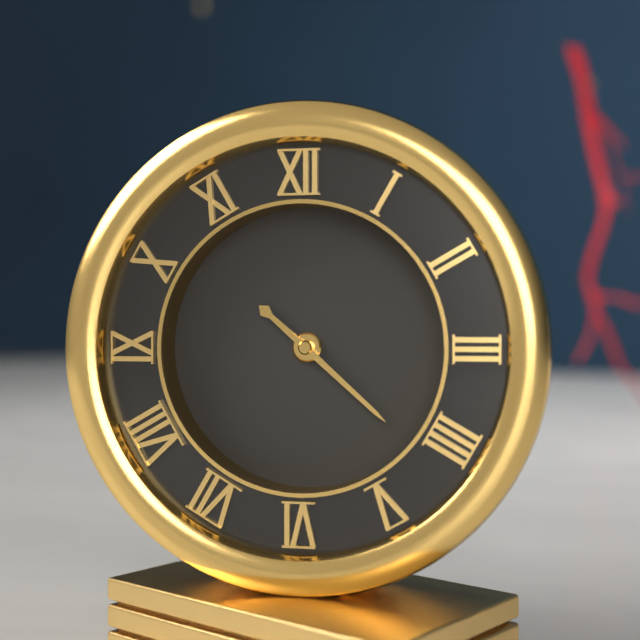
10,22
